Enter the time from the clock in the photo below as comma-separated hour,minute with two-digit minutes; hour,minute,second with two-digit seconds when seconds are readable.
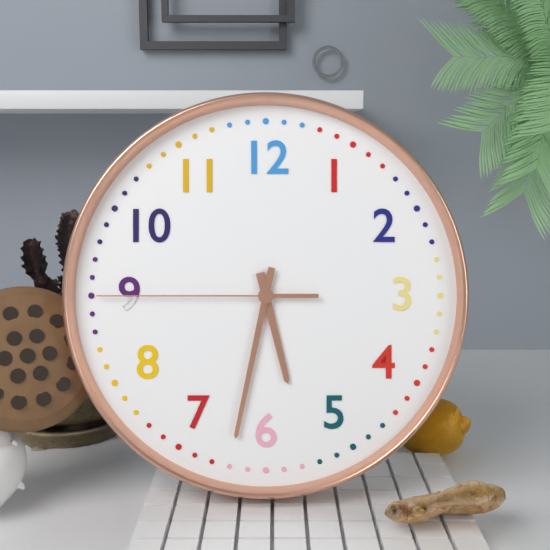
5,32,45
